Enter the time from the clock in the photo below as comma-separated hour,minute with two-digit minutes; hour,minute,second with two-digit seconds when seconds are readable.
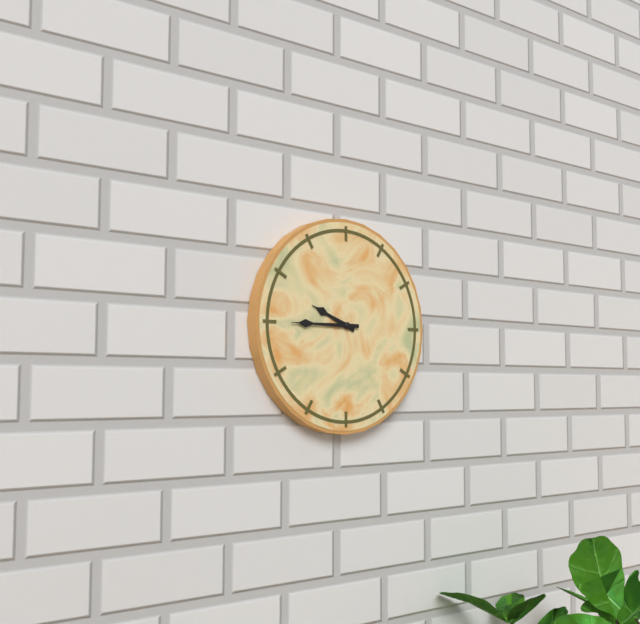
9,45
